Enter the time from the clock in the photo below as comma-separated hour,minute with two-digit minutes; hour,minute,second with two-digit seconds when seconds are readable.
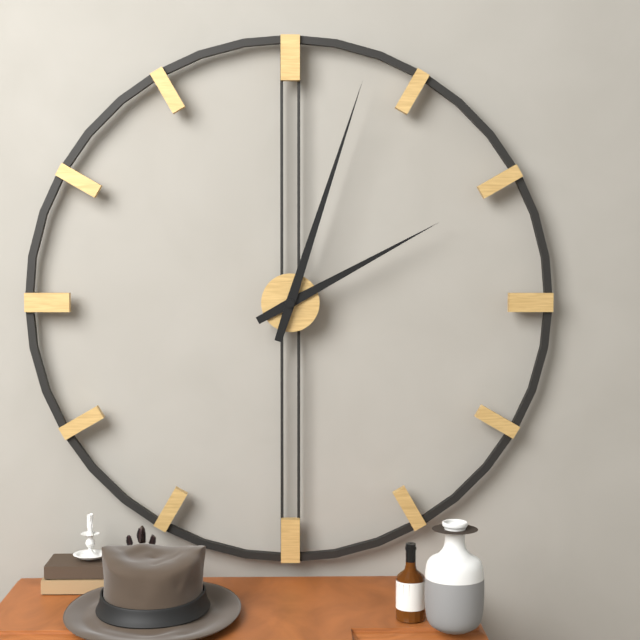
2,03
